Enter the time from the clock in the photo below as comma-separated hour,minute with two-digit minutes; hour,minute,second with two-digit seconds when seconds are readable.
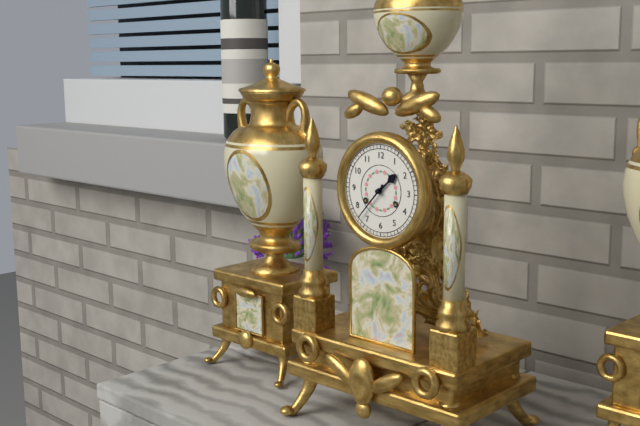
1,37
